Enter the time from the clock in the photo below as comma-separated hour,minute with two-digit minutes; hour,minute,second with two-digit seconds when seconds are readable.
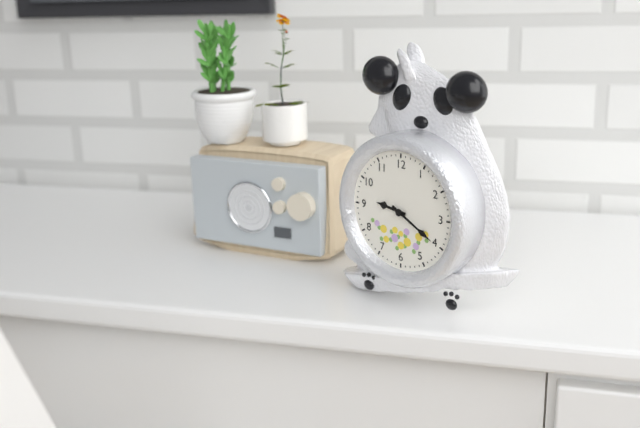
9,20
